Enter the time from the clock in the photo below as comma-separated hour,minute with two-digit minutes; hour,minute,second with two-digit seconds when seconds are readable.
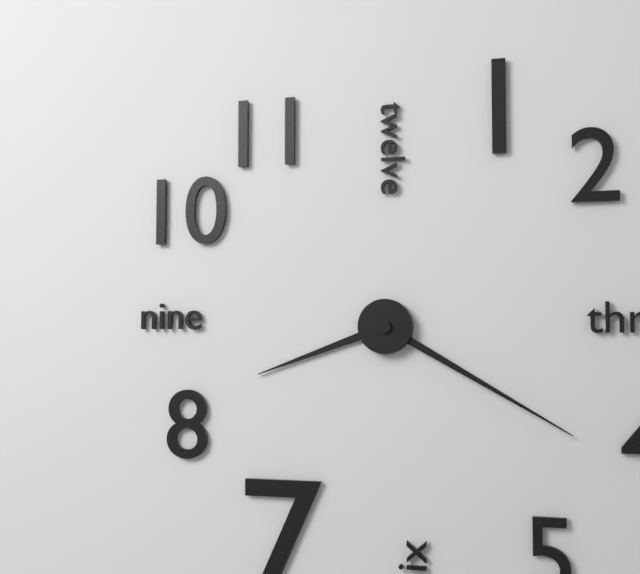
8,20
